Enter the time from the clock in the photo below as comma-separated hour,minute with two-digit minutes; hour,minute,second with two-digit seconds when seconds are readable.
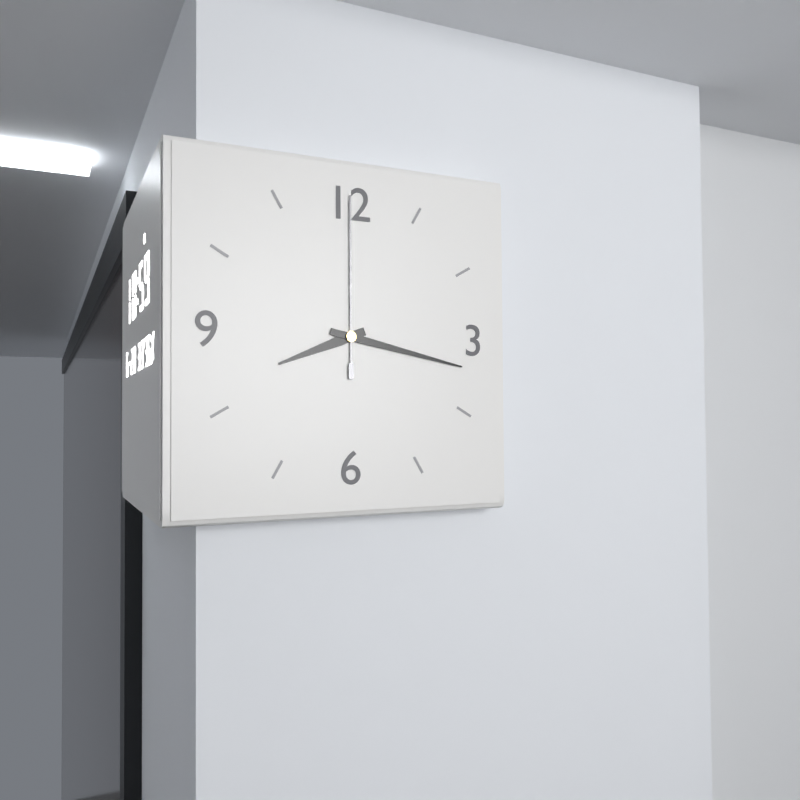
8,17,00
